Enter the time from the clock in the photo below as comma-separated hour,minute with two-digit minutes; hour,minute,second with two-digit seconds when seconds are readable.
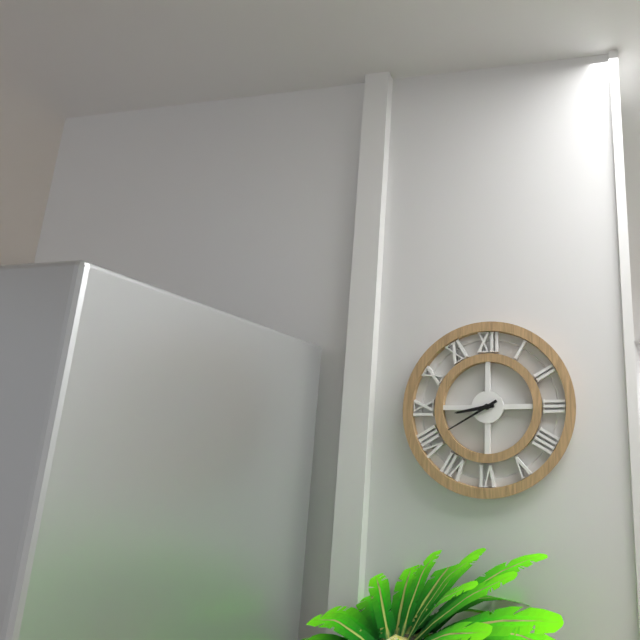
8,40
